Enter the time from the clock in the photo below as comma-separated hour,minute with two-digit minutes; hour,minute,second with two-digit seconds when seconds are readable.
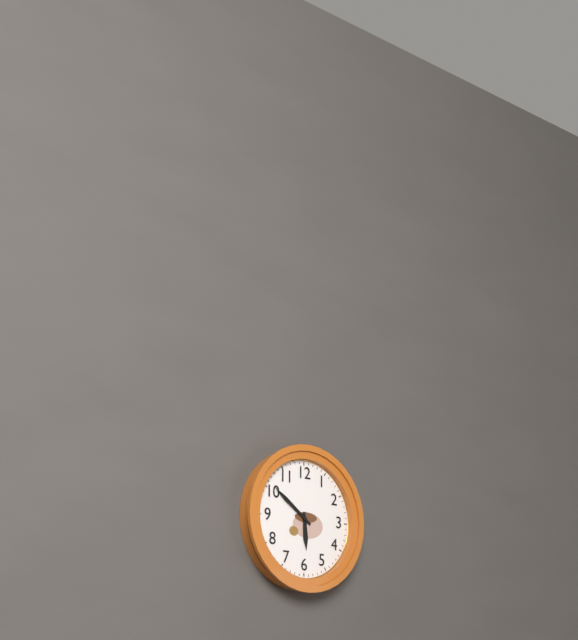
5,51
